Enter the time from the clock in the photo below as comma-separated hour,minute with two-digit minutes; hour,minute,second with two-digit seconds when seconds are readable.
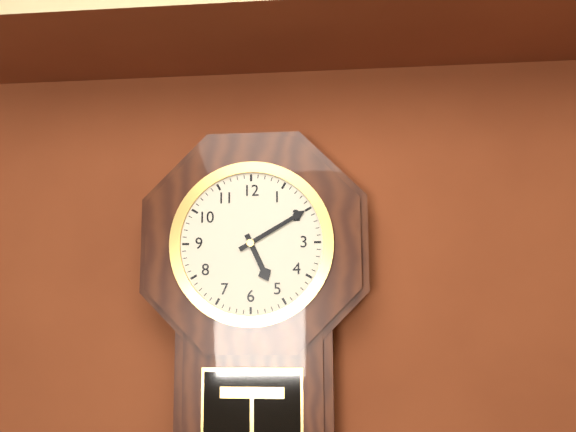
5,10
